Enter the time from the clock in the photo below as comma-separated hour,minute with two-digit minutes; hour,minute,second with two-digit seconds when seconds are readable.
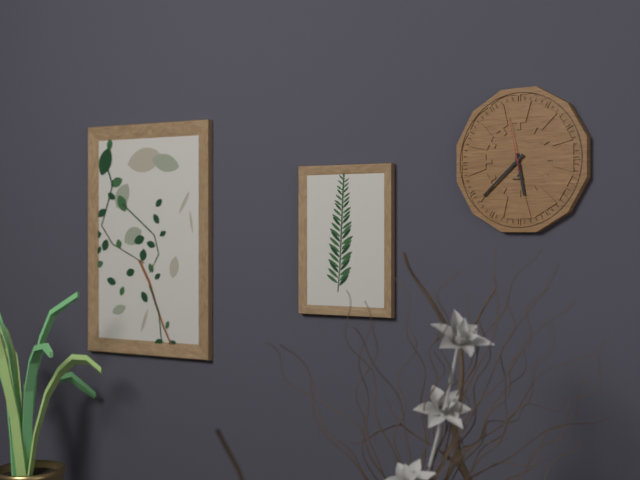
5,38,58
